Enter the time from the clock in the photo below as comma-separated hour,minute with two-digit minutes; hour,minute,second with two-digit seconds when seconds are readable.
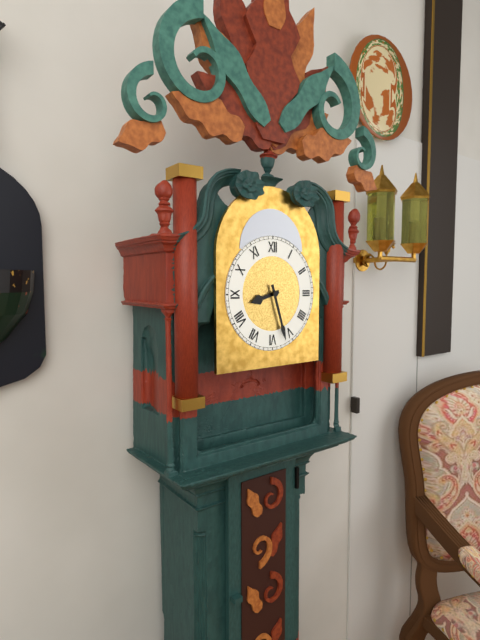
8,27
